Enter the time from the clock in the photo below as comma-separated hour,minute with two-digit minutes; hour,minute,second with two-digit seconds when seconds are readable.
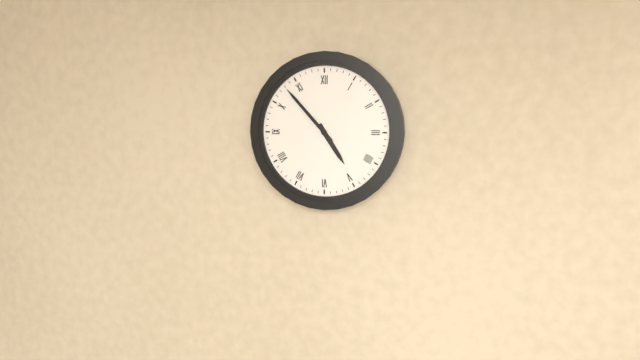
4,53
